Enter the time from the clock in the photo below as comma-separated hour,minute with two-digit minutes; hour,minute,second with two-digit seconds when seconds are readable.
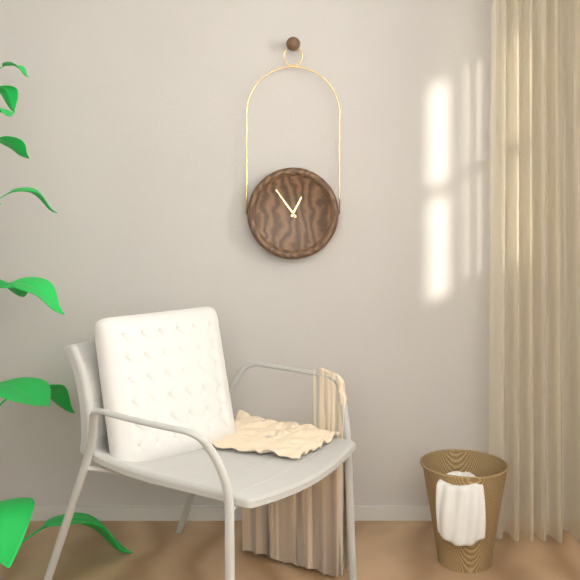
12,54
